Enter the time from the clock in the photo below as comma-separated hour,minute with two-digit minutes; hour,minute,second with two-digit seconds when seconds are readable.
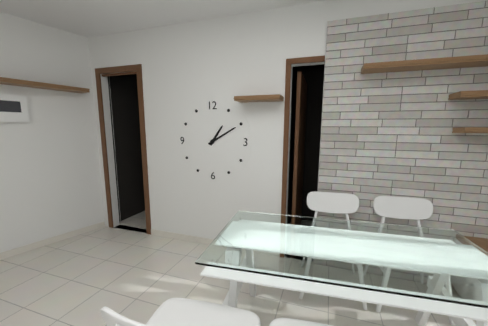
1,10
